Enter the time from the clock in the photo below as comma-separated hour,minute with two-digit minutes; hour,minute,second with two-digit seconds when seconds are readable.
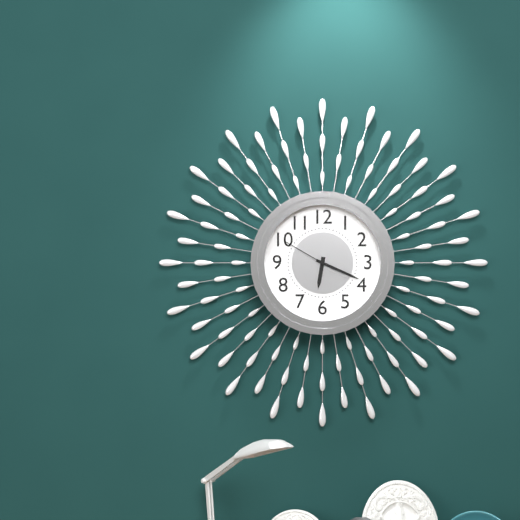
6,19,50
